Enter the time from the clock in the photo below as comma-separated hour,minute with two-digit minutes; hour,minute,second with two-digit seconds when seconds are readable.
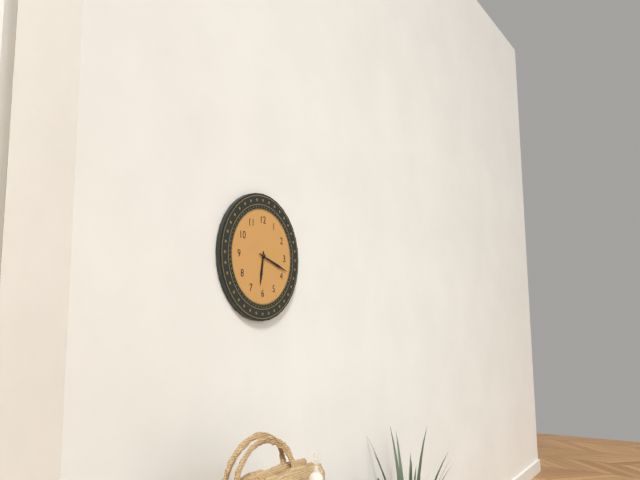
6,18
